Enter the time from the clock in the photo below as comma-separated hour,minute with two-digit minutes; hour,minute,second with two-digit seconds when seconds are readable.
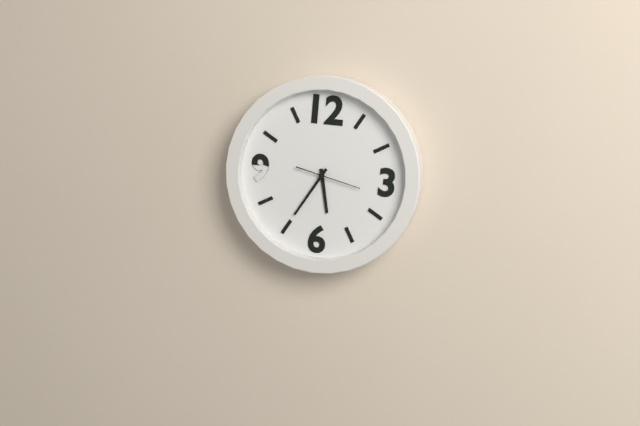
5,35
